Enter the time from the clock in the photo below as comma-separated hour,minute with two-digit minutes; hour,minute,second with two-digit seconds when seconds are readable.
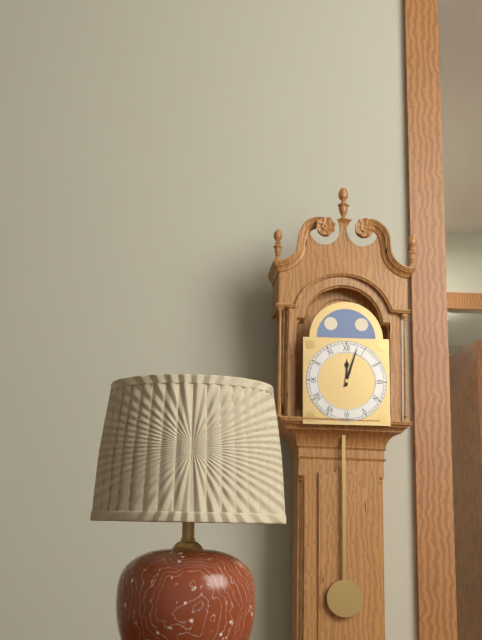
12,03
